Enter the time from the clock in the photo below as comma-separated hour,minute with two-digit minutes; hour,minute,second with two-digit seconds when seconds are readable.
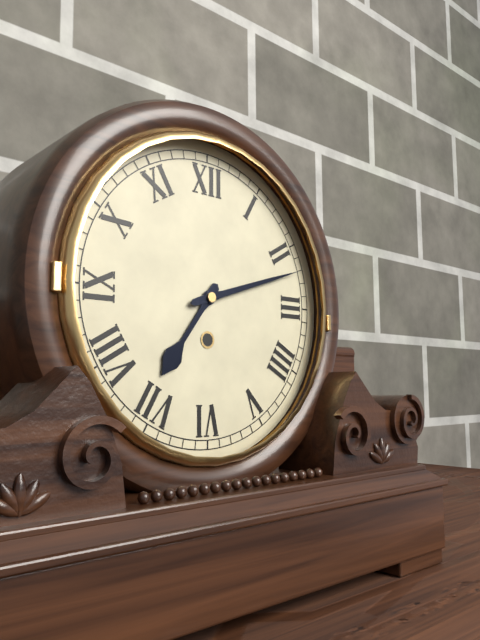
7,12
